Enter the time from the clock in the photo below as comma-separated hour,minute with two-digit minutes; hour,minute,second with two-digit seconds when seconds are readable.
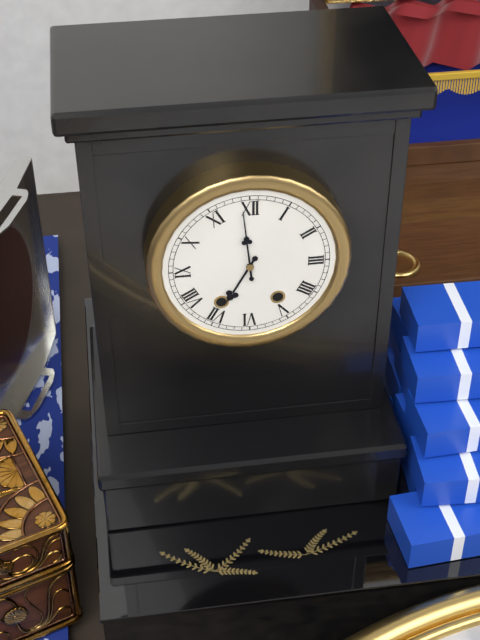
6,59
